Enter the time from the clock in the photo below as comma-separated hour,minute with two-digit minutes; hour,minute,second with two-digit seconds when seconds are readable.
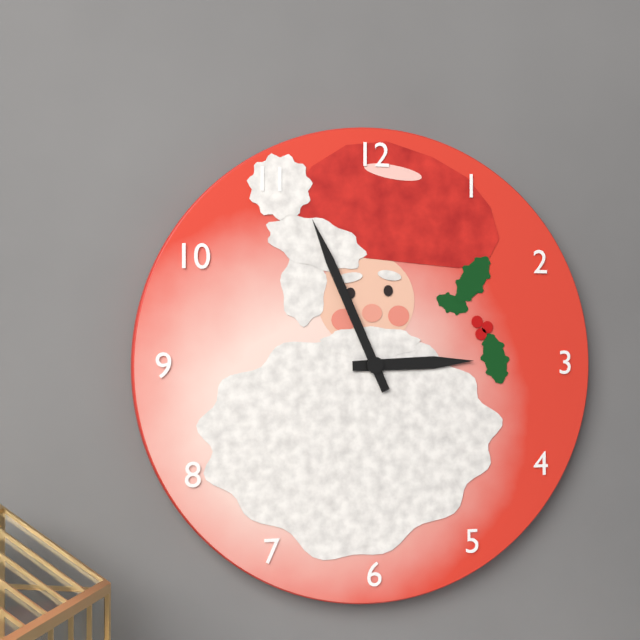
2,56
